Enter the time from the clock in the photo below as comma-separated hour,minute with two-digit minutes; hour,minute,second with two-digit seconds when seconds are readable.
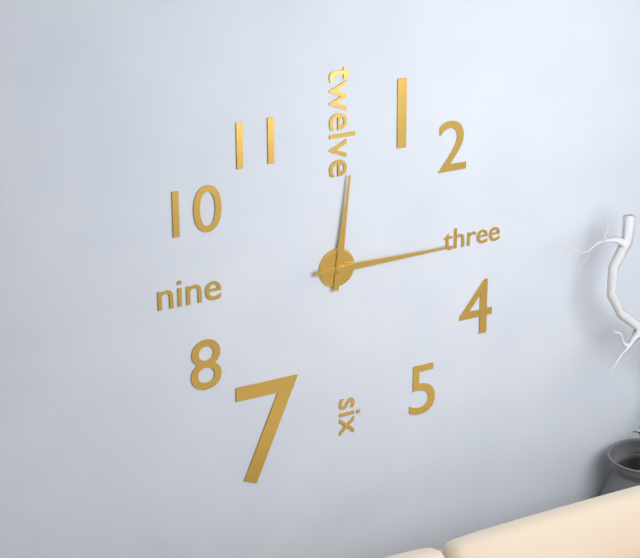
12,15
